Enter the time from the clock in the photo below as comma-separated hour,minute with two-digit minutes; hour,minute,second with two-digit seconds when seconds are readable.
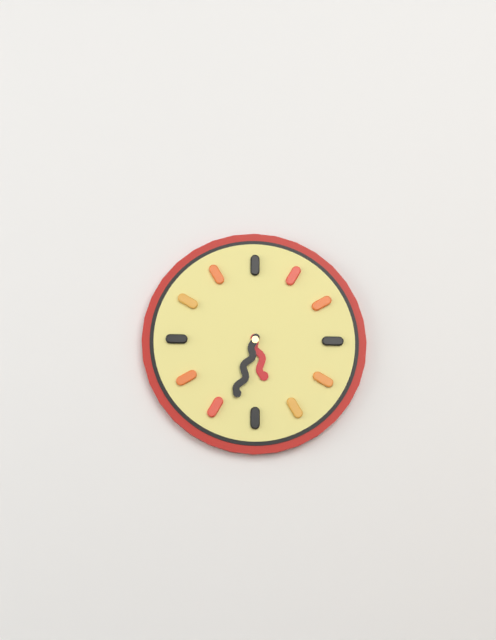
5,33
